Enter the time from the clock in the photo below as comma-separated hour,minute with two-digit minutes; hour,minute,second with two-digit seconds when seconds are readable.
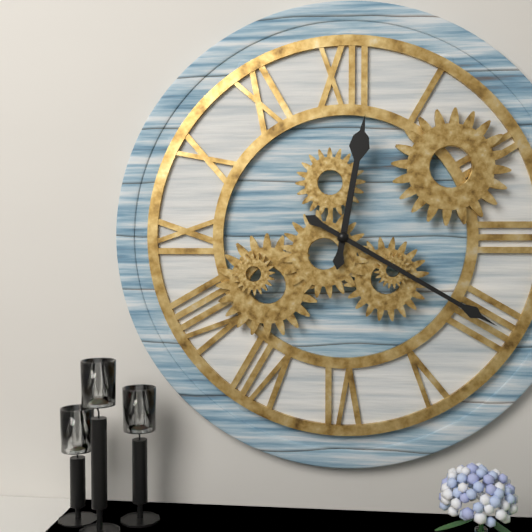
12,20
